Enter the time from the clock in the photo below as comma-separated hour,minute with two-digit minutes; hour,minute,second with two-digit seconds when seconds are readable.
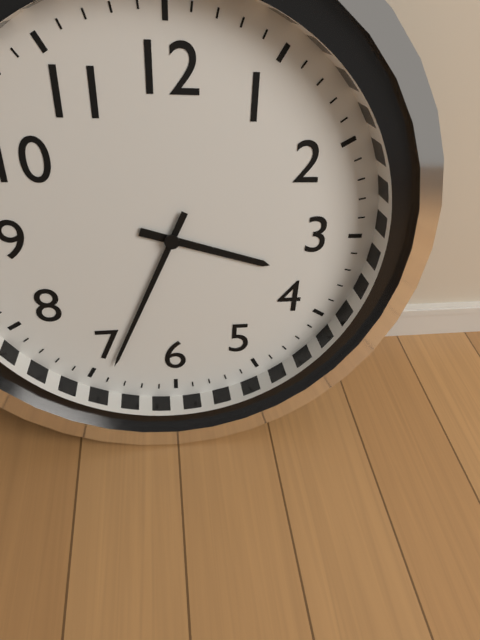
3,34
